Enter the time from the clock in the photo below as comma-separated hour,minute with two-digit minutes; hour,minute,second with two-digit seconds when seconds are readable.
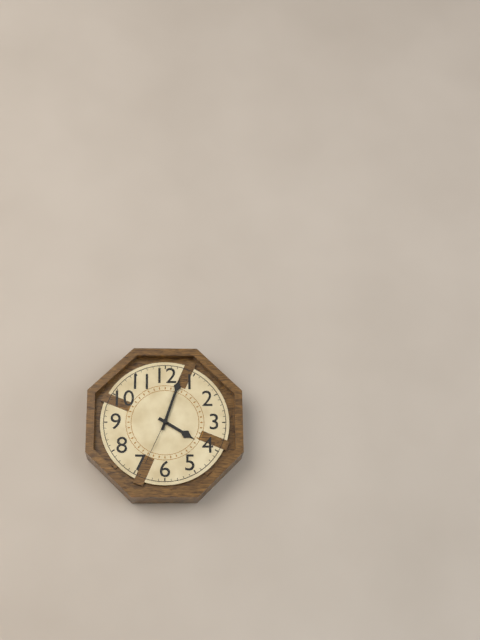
4,03,34
